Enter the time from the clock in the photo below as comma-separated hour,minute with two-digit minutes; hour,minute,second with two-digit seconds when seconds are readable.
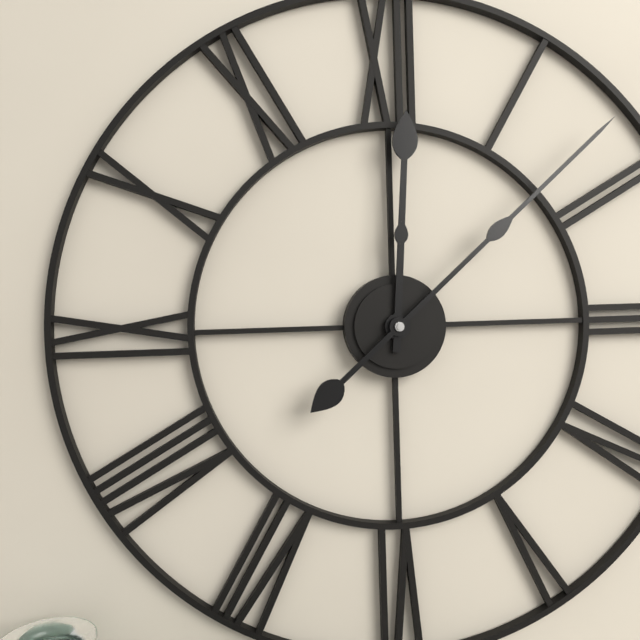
12,08
